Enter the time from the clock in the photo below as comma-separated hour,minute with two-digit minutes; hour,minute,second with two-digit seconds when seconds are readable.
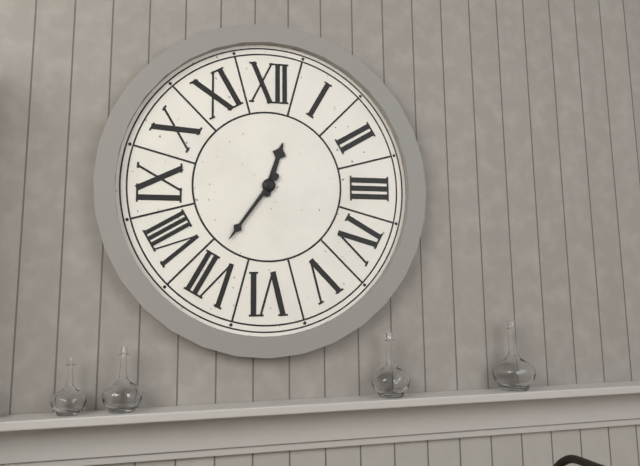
12,36
